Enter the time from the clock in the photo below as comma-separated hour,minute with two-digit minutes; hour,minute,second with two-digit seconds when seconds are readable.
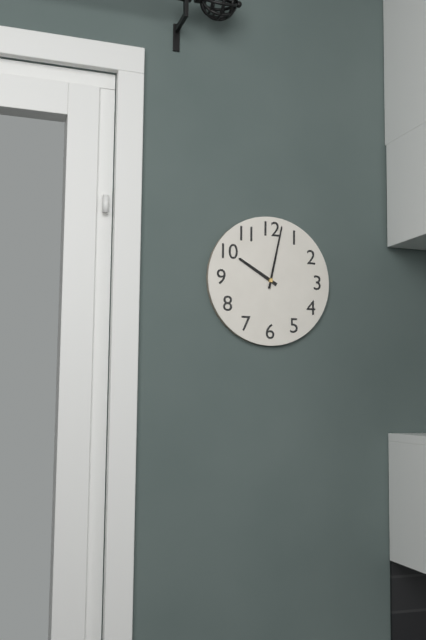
10,02
